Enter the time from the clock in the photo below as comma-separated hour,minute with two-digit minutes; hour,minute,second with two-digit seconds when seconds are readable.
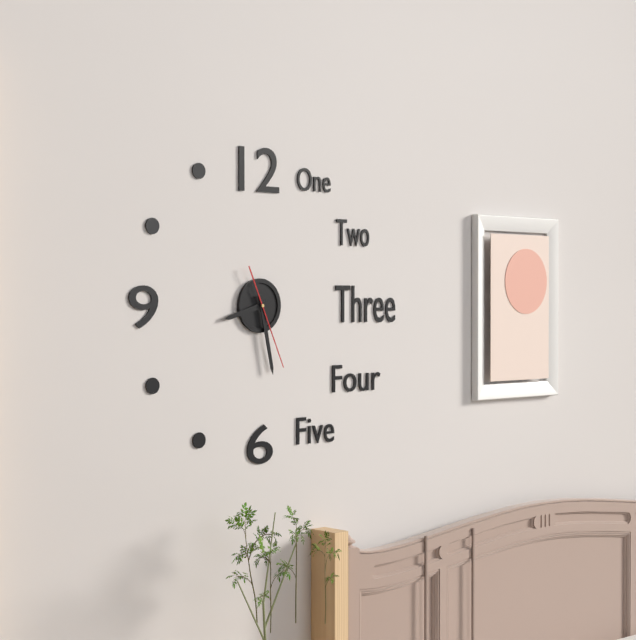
8,28,26
